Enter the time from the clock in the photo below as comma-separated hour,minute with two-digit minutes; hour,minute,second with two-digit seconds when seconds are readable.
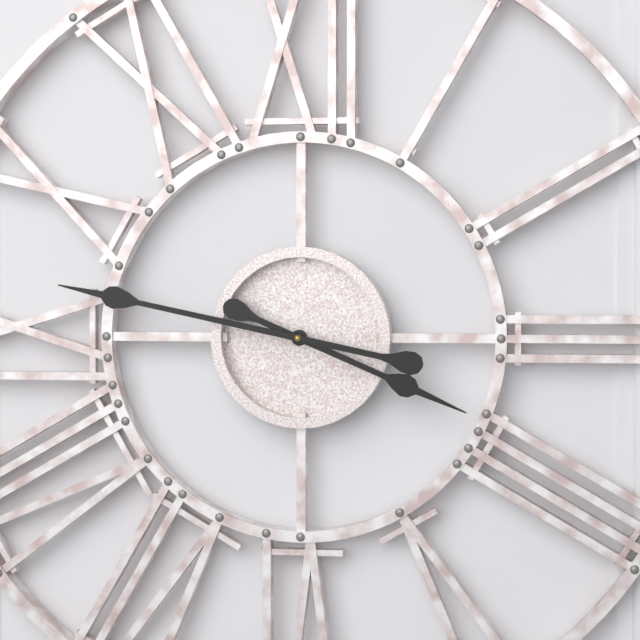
3,47
